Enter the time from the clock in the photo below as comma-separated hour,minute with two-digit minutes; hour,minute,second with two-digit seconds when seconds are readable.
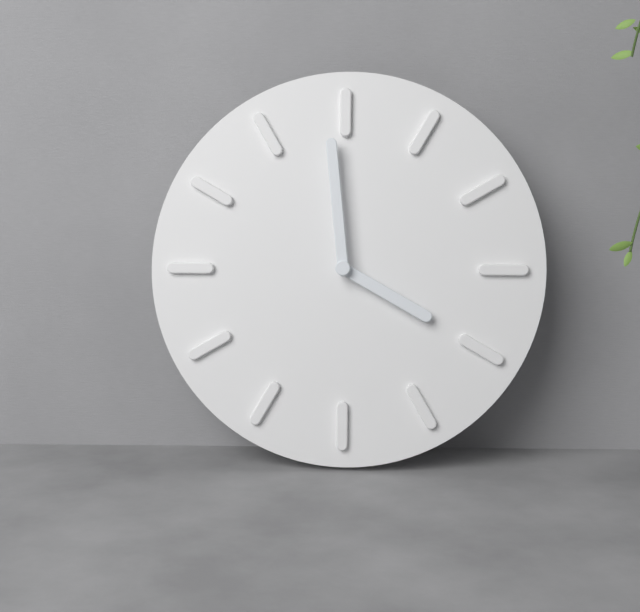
3,59
